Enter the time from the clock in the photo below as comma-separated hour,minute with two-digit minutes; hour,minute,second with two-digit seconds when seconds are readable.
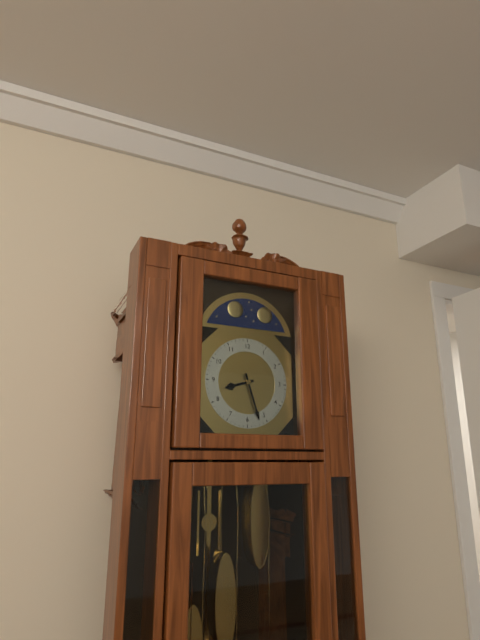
8,27
